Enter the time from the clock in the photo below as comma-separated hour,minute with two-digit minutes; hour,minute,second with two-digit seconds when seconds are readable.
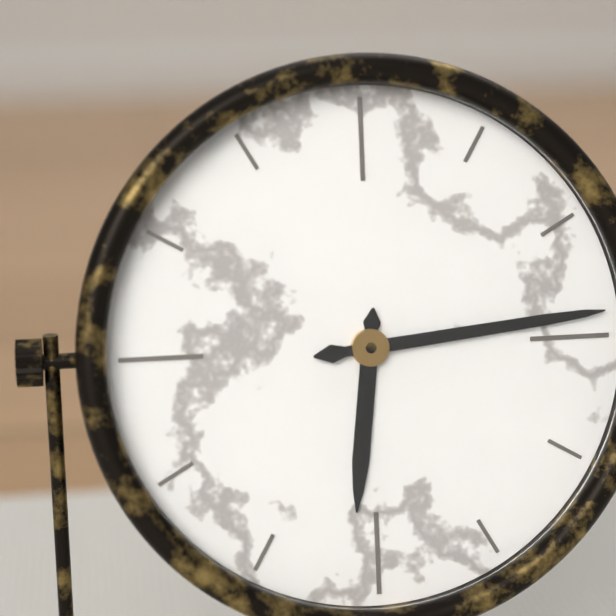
6,14
